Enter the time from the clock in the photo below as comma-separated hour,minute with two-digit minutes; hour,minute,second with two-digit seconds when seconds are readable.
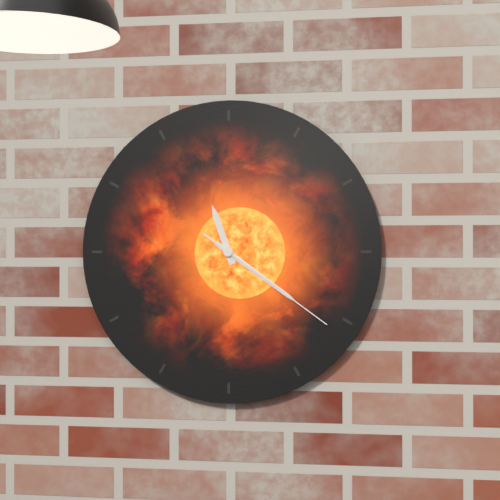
11,21,21
